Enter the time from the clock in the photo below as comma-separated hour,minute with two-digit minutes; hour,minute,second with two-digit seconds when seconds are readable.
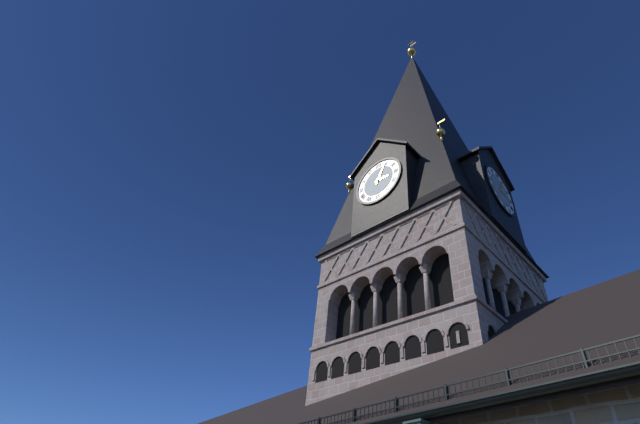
3,04
